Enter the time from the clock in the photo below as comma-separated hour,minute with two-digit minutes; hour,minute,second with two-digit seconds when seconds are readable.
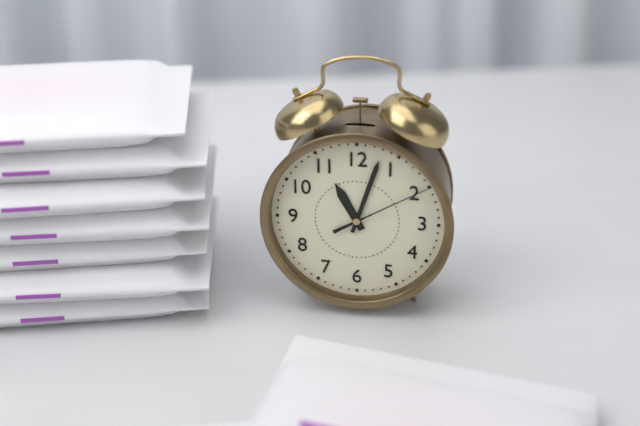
11,03,10
